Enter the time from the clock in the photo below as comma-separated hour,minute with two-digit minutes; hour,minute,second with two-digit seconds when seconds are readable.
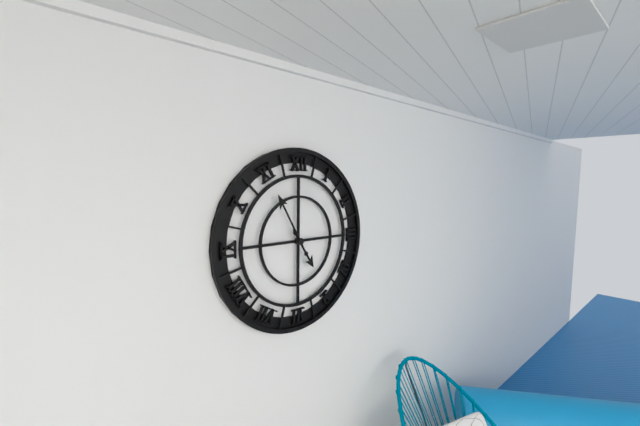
4,55
